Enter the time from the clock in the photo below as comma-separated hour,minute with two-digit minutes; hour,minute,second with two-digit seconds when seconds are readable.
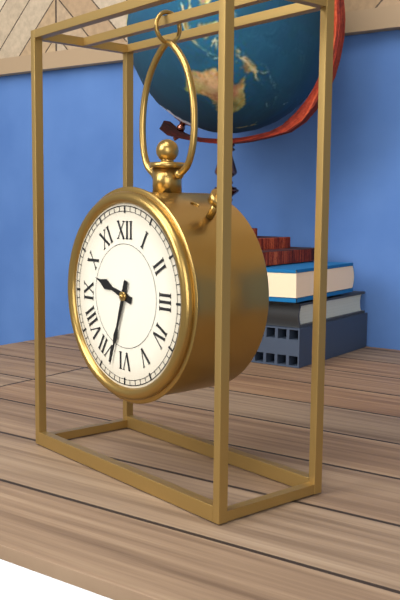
9,33
